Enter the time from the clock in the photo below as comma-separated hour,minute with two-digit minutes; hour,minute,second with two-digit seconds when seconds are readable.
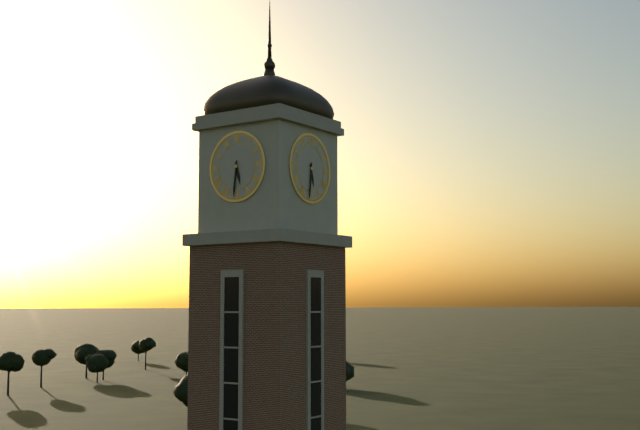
5,31
